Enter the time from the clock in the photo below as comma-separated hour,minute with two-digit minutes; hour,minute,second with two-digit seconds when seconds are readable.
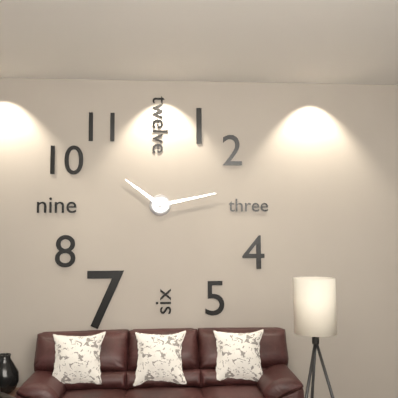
10,13
